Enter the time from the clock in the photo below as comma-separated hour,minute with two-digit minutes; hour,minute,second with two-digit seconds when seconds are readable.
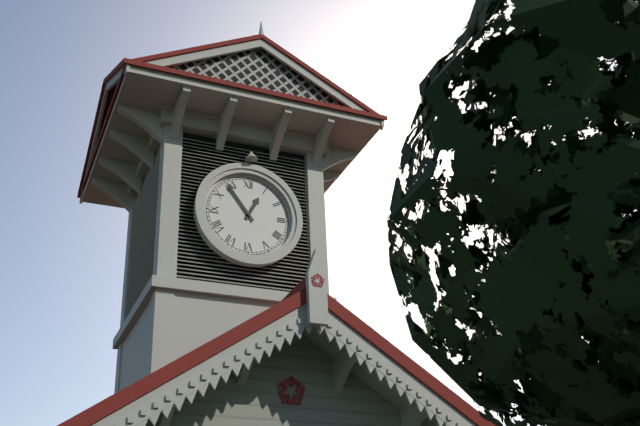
12,54
